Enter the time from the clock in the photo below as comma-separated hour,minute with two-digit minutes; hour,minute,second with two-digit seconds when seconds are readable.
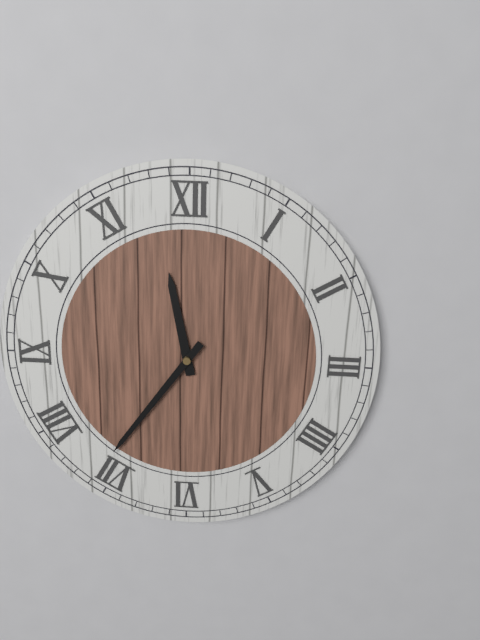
11,36
